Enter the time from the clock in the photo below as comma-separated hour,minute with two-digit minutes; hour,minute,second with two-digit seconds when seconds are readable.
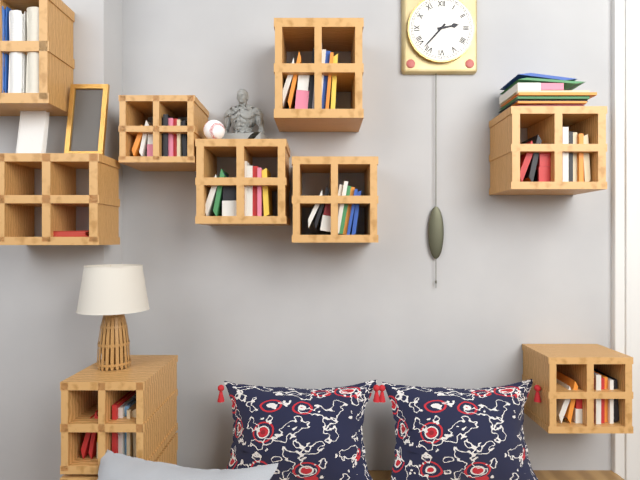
2,37
